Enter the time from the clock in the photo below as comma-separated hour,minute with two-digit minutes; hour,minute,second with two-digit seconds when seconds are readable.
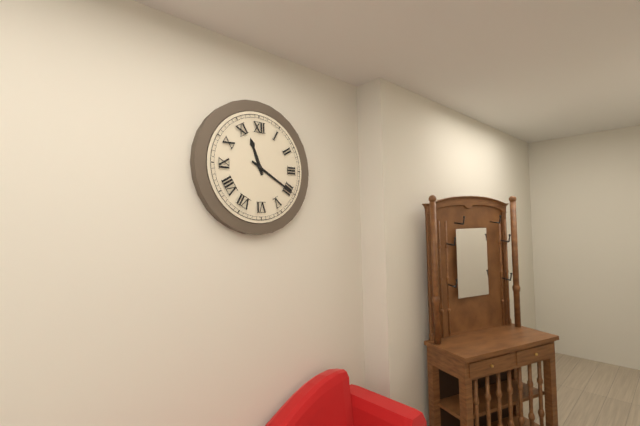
11,20
